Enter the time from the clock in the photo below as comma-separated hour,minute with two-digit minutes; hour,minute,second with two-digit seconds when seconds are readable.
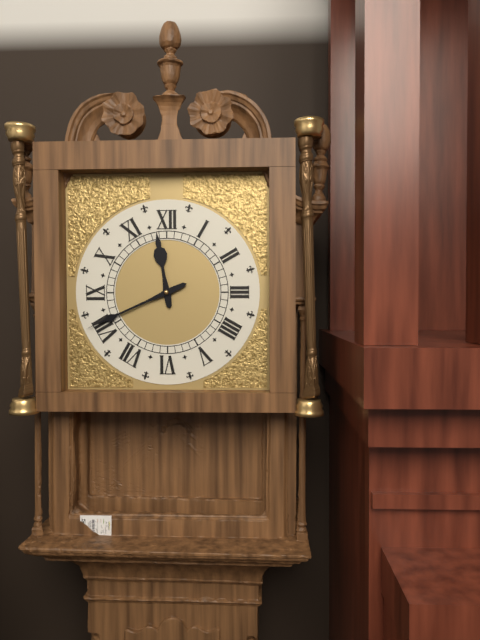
11,41
